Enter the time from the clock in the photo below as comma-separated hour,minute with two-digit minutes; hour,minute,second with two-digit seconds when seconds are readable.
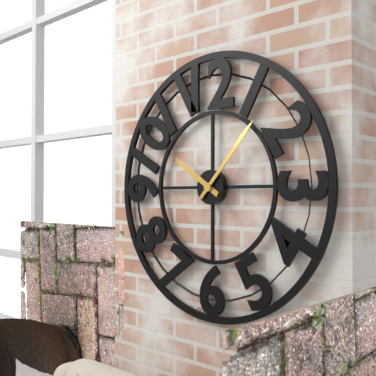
10,07
